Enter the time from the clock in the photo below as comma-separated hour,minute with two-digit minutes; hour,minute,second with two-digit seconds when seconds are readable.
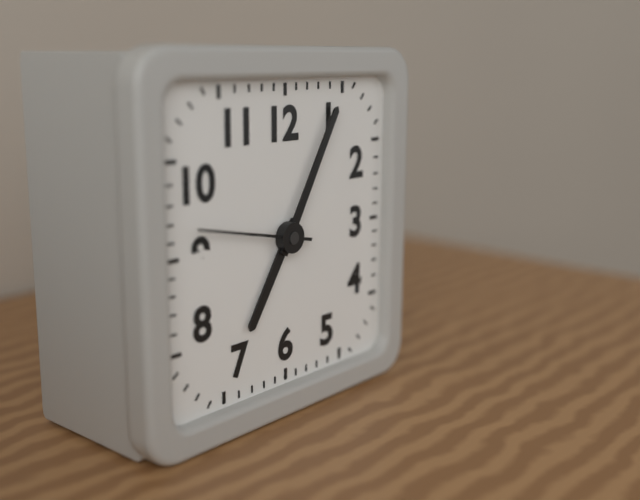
7,05,47
